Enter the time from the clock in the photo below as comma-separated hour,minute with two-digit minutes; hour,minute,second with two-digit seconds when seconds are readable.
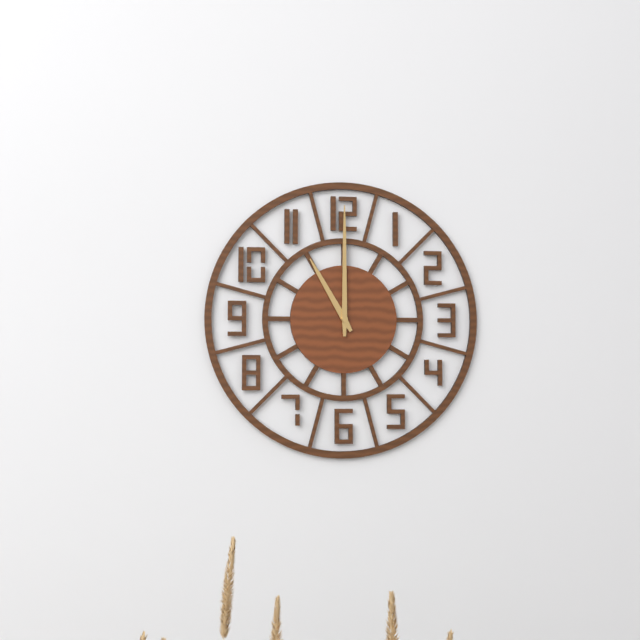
11,00
